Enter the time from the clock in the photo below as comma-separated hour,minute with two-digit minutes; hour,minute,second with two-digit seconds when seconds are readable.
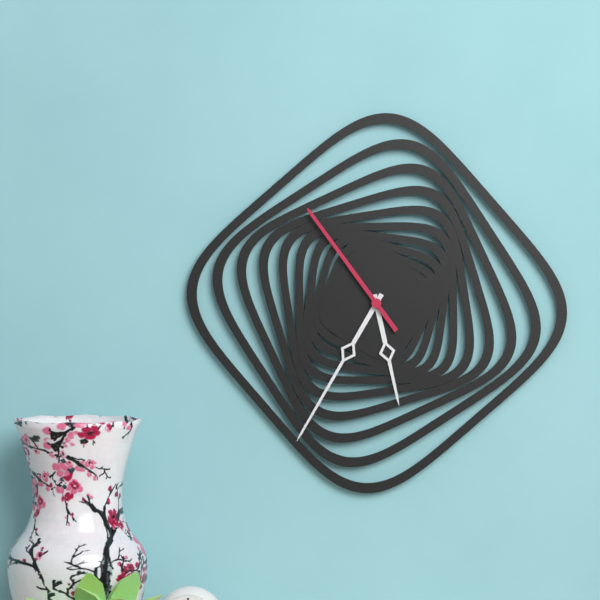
5,35,54
